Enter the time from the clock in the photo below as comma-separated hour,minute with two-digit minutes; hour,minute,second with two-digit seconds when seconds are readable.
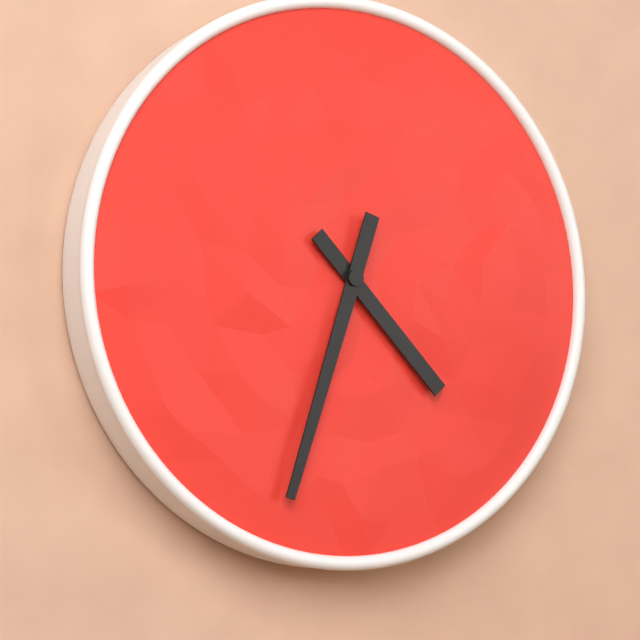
4,33
